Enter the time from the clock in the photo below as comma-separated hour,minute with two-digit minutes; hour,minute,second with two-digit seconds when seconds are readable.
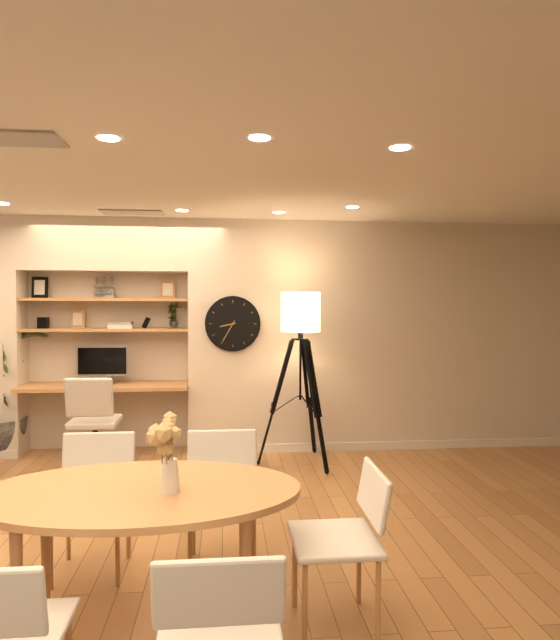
8,35
